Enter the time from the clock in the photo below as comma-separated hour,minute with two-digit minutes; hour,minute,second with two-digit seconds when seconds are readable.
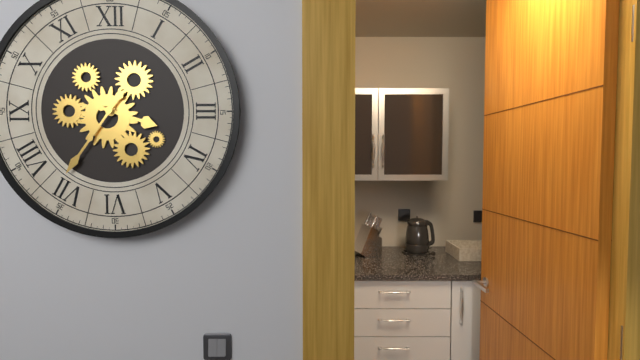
3,36
